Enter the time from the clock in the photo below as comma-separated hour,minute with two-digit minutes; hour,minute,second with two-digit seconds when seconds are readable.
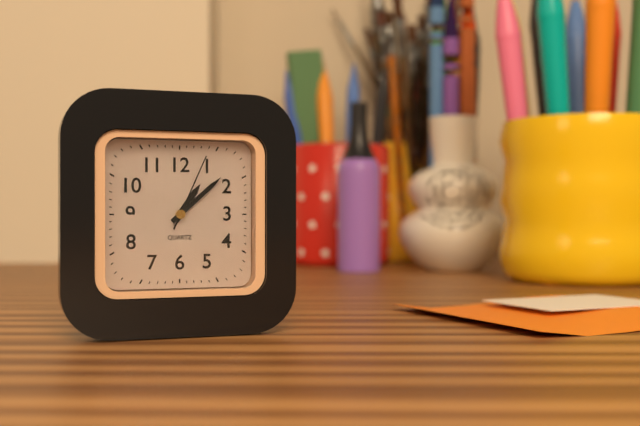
1,08,04
